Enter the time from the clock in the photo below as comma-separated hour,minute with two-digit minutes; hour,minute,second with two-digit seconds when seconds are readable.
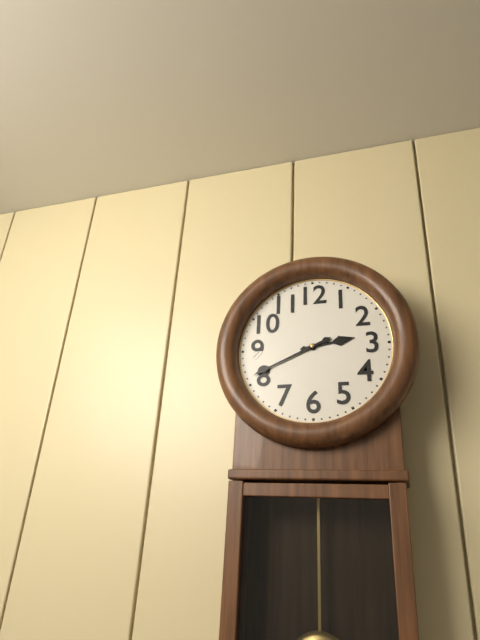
2,41
